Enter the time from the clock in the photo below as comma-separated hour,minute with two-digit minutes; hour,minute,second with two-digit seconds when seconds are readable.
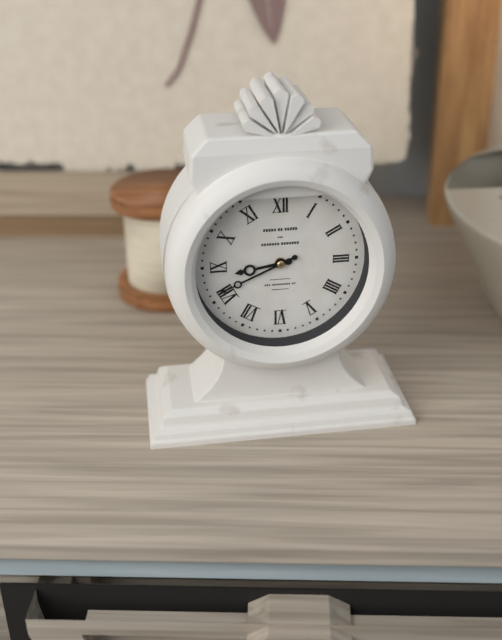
8,41
